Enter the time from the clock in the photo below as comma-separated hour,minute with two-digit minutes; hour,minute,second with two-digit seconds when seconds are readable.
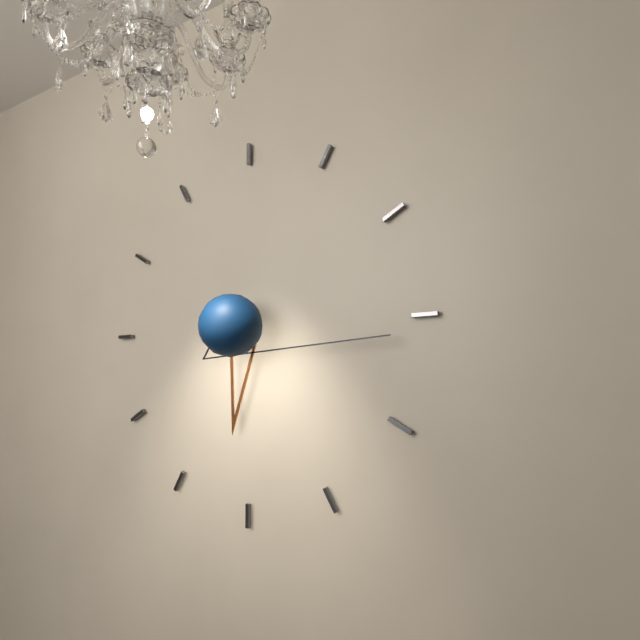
6,16
